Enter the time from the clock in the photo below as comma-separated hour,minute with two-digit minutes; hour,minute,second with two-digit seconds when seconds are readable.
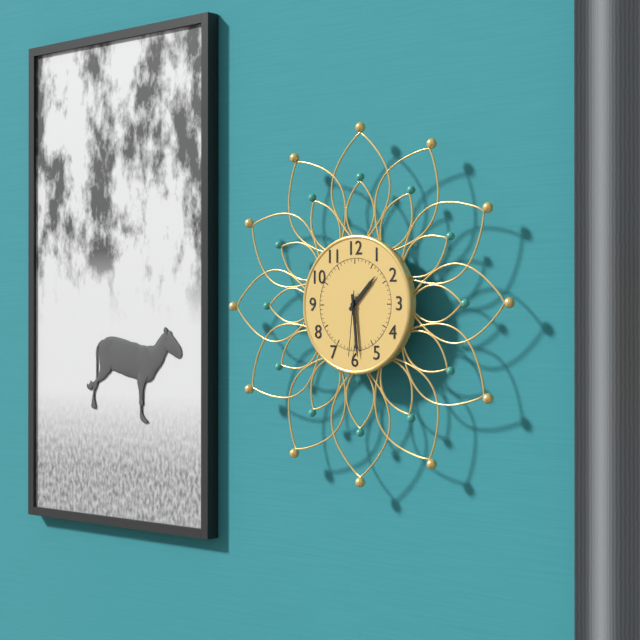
1,29,31
